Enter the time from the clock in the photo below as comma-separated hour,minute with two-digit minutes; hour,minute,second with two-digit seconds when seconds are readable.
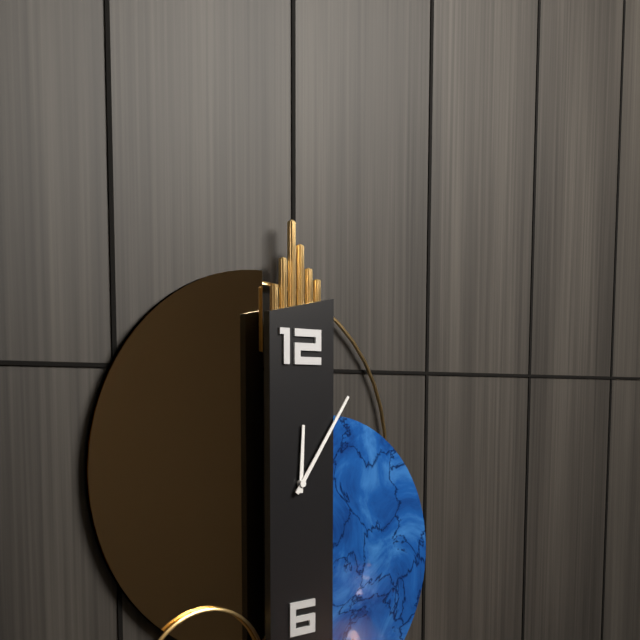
12,06
